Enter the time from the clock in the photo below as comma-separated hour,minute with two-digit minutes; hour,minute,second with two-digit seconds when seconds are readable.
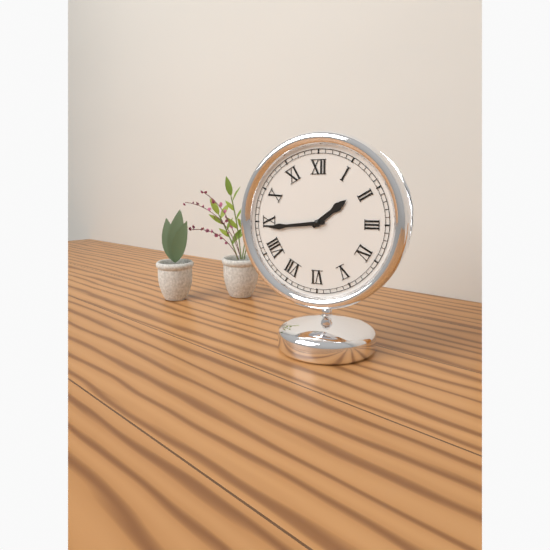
1,44
